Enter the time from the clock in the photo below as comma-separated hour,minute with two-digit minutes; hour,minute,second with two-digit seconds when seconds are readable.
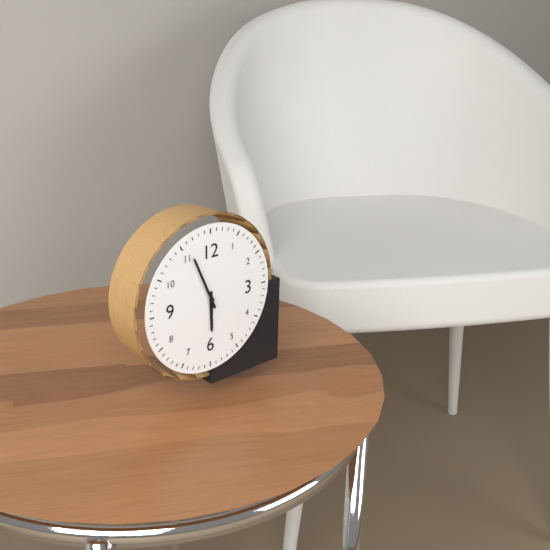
5,56
